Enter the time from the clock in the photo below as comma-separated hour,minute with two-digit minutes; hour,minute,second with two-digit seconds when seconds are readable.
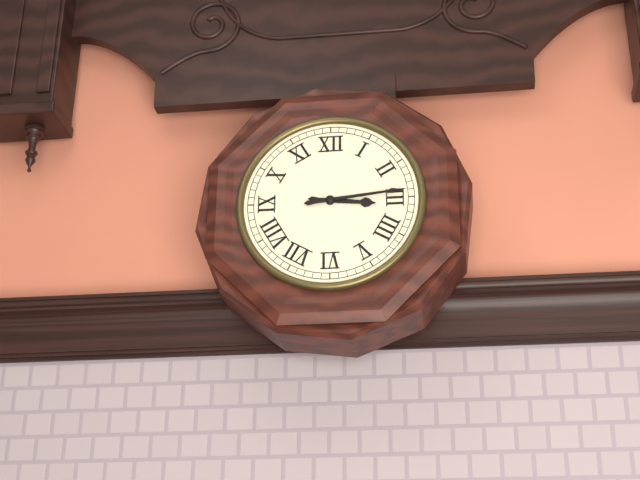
3,14
